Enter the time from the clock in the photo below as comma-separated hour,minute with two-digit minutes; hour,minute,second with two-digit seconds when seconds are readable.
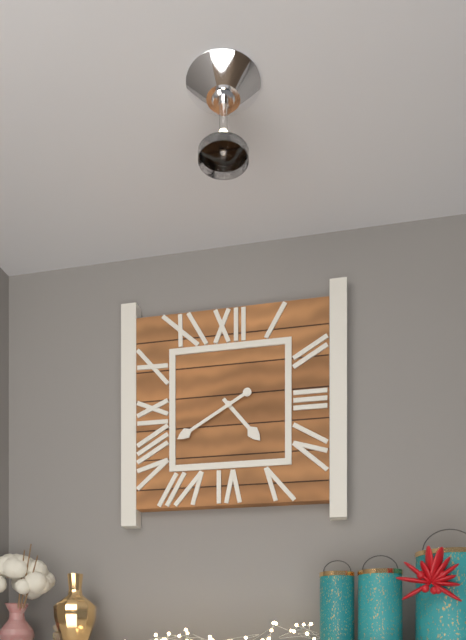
4,40
